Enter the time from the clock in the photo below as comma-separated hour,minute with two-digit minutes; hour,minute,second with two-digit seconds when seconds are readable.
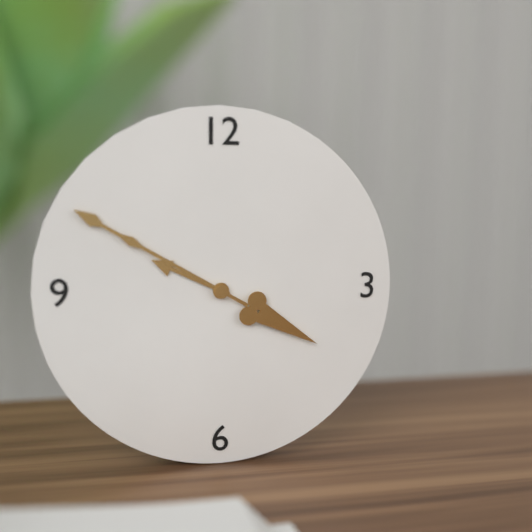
9,50
